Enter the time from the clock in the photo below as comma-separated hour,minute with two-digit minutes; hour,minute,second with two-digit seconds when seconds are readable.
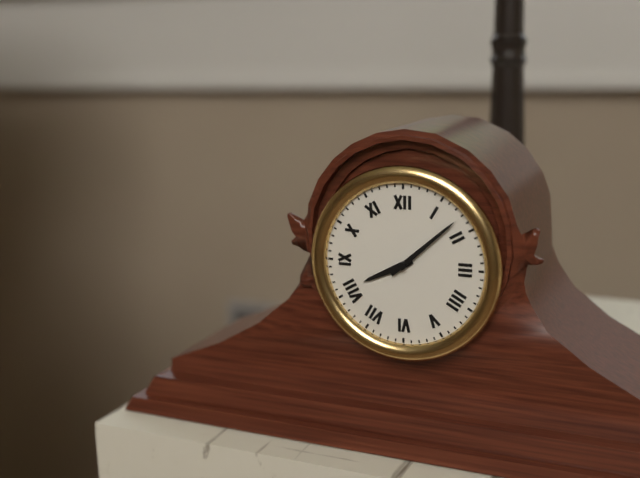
8,08
